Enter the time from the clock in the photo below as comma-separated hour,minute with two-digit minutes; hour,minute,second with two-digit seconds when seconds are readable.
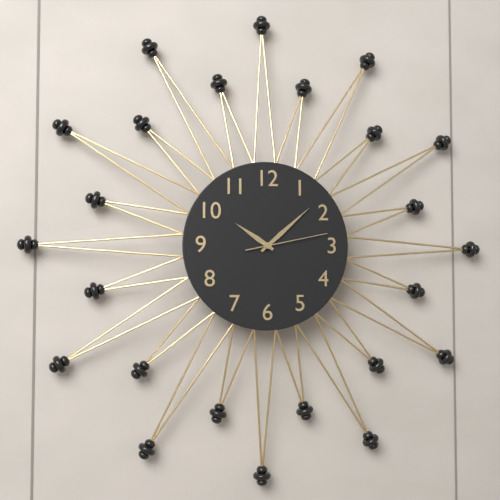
10,08,13
